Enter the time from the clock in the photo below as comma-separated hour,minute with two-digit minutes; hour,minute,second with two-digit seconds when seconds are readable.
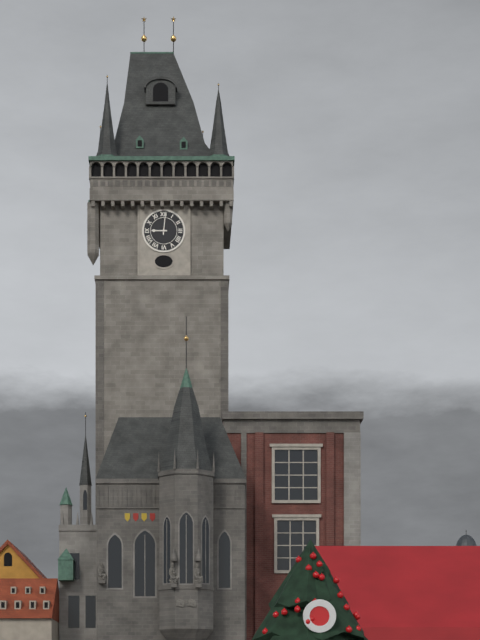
9,01
